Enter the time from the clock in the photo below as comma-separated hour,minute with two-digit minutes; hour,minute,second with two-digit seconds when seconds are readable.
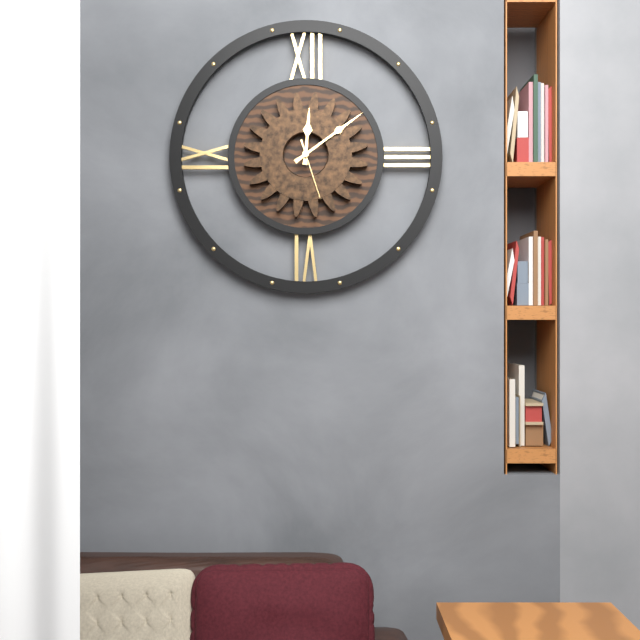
12,09,27
